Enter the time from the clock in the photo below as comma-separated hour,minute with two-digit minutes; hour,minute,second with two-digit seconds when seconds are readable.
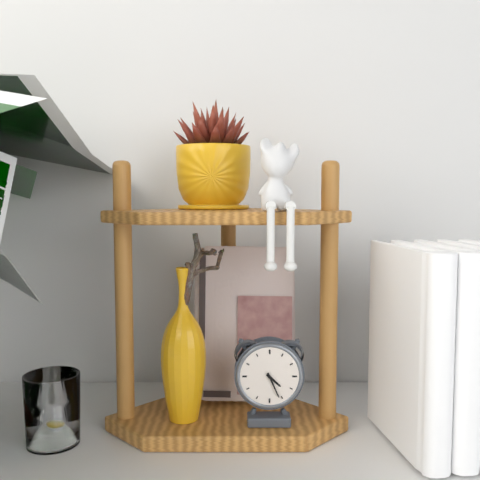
4,26
